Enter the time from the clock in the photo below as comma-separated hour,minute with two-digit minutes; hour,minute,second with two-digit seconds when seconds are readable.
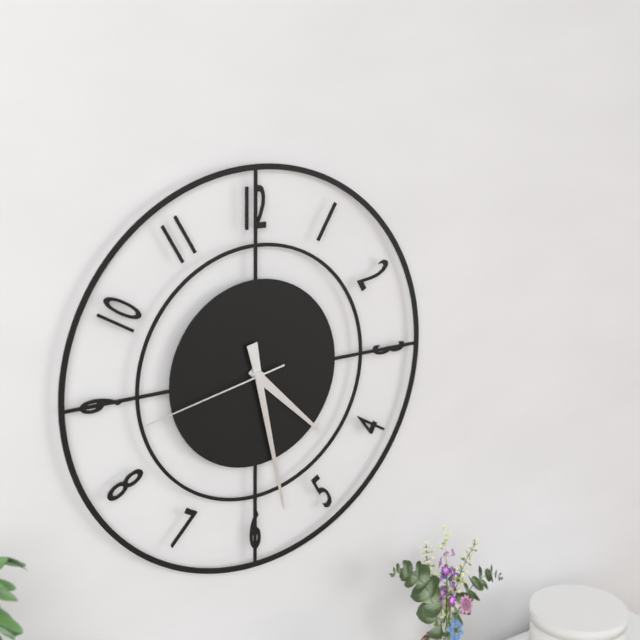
4,28,43
